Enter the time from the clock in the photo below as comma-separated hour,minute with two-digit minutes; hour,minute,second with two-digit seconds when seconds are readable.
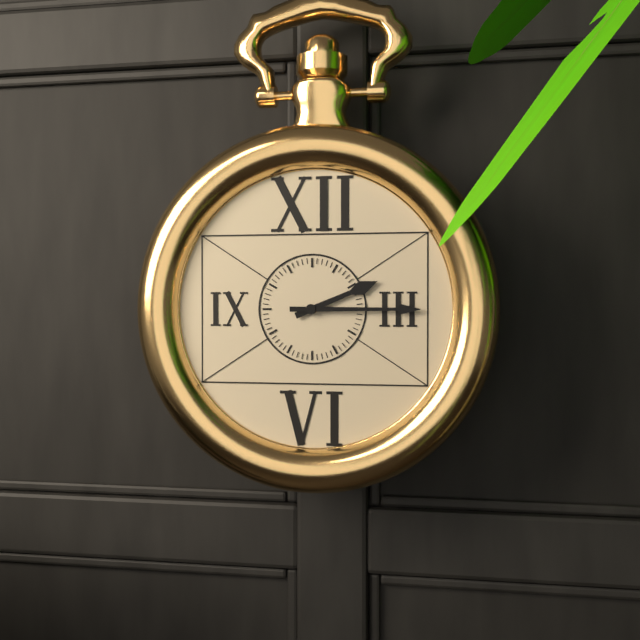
2,15
